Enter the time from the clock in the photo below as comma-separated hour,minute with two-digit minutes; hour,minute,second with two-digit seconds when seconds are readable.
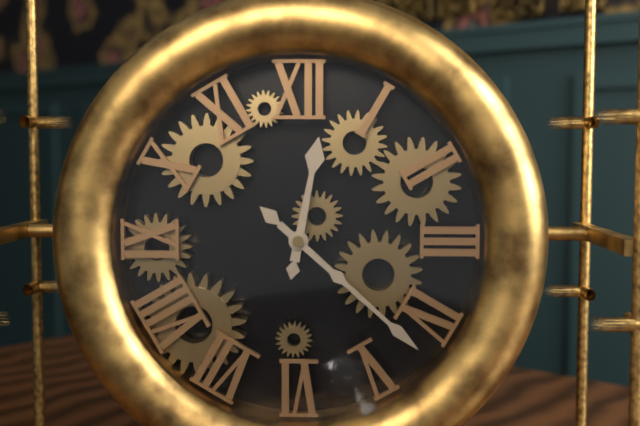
12,22
